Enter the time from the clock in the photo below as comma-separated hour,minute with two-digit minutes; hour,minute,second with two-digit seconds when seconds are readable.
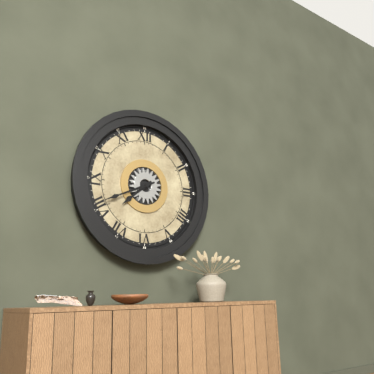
7,41
